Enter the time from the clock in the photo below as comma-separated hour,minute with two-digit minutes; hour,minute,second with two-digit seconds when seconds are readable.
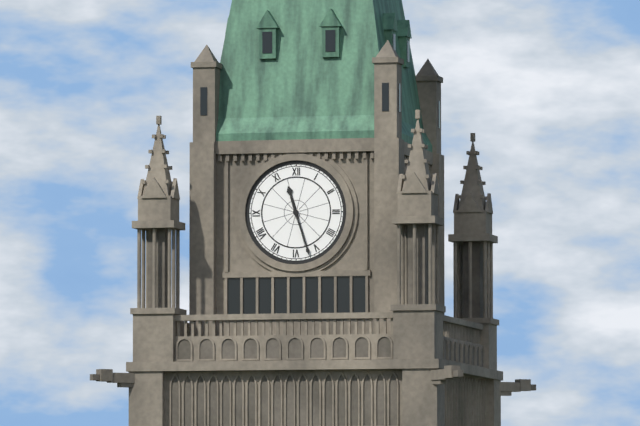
11,27
